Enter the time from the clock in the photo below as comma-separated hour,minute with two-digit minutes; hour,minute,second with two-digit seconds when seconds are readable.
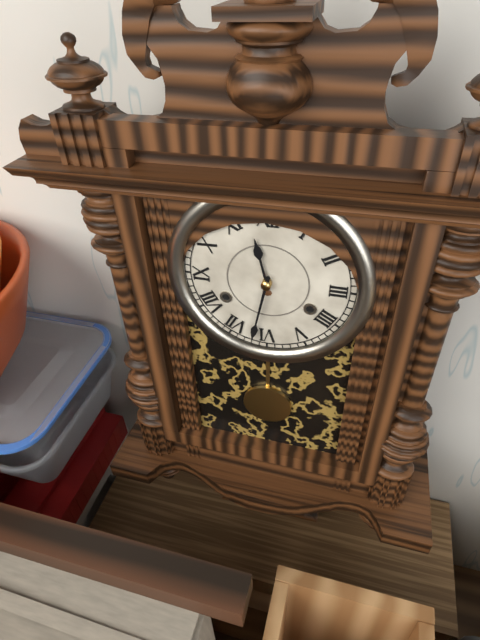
11,32
